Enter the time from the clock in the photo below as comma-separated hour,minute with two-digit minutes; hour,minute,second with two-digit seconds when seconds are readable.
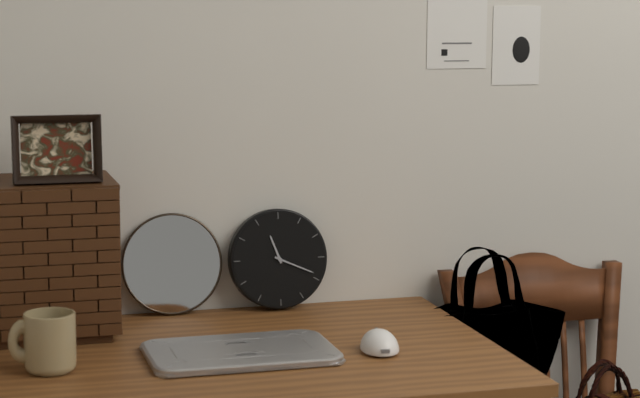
11,19
